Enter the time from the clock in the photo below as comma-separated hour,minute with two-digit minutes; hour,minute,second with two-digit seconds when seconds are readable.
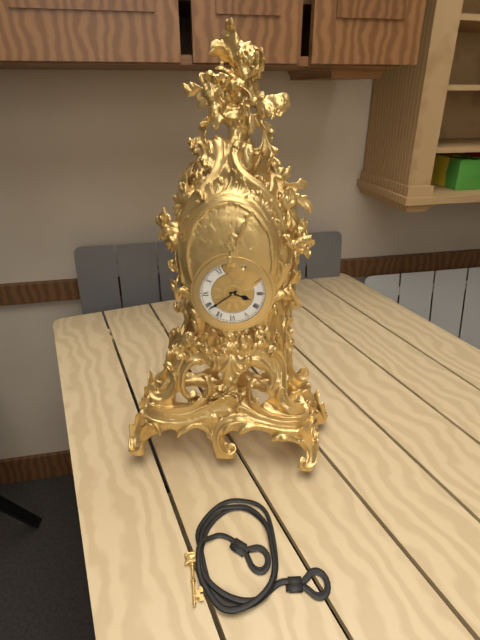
3,39
